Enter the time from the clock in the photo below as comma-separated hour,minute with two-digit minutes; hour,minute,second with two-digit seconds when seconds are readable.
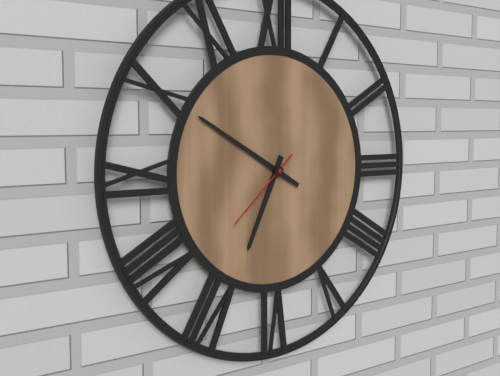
6,50,38
